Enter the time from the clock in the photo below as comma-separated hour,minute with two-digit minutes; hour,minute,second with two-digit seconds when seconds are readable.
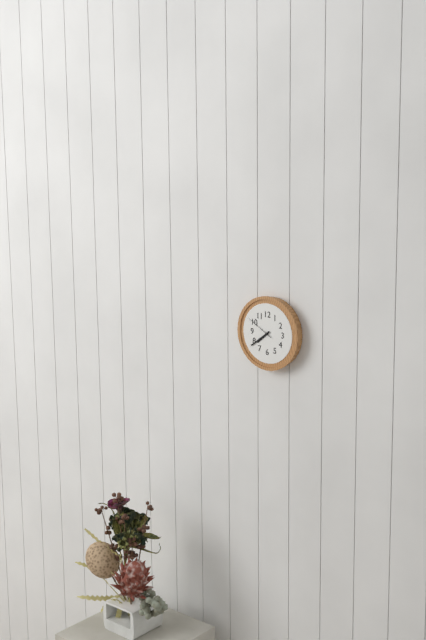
7,39
